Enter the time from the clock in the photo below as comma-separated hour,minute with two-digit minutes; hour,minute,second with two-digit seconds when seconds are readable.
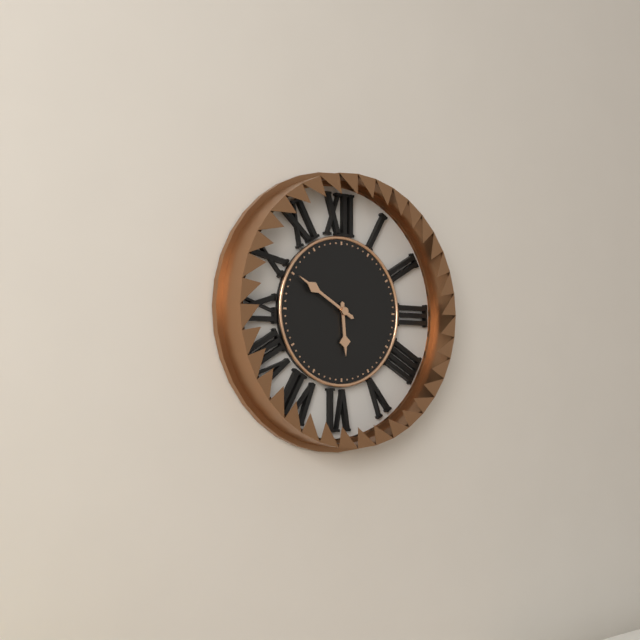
5,50
